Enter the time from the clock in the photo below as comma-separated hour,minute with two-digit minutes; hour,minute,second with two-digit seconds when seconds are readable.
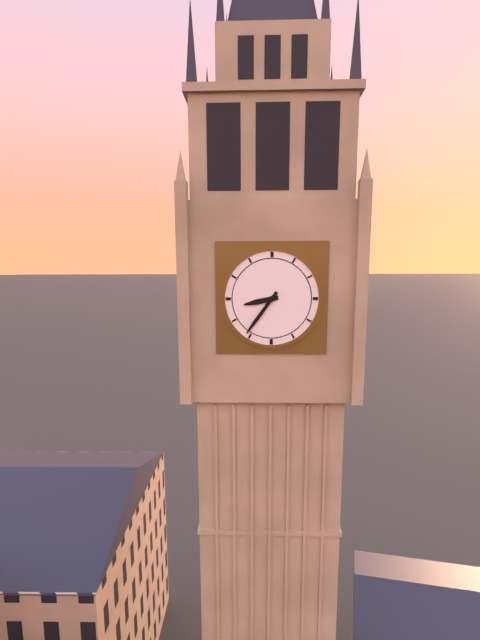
8,36
